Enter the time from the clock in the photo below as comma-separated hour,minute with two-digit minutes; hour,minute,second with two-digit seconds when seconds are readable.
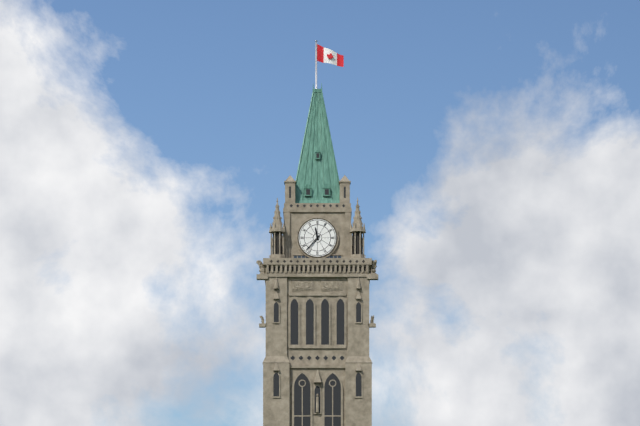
11,37
